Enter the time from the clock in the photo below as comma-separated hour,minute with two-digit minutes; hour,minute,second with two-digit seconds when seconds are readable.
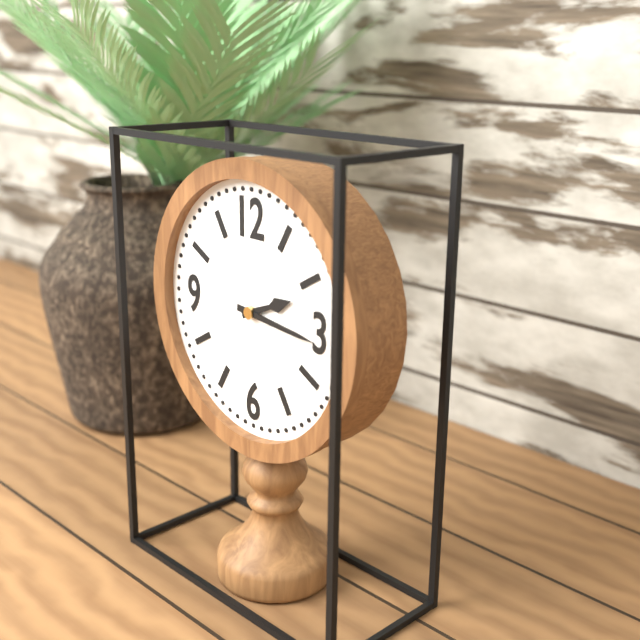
2,16
